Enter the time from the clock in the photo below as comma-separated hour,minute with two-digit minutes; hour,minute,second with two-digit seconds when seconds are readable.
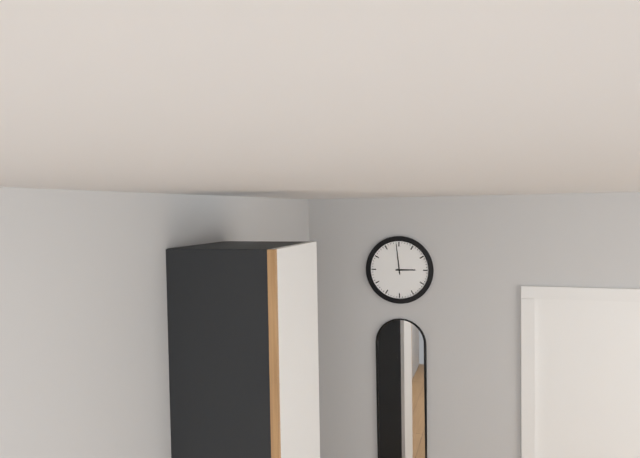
2,59
